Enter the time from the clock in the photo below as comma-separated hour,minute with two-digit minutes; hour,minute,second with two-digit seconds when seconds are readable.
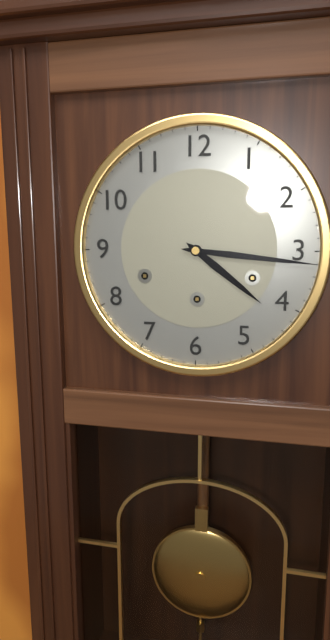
4,16
